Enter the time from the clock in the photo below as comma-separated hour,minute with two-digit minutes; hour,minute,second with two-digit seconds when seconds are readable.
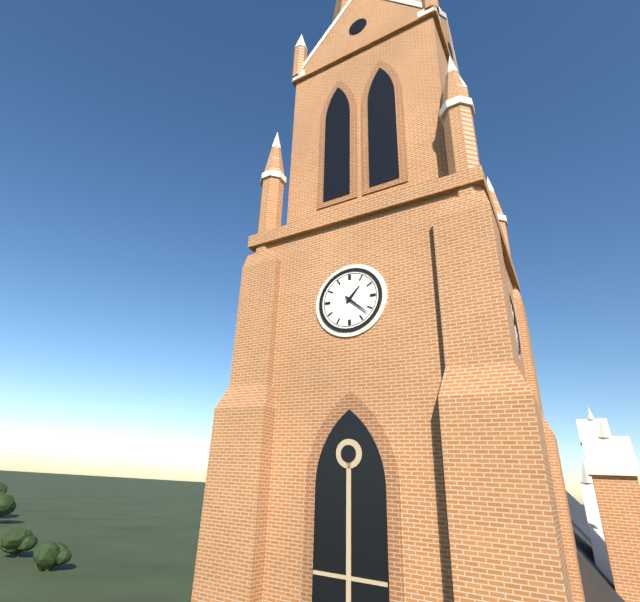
1,22
